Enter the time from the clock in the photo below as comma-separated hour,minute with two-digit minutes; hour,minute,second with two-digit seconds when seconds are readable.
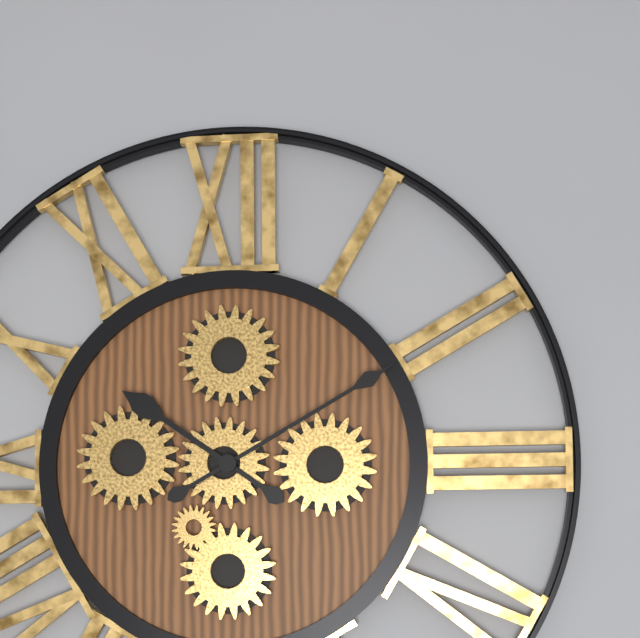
10,10
